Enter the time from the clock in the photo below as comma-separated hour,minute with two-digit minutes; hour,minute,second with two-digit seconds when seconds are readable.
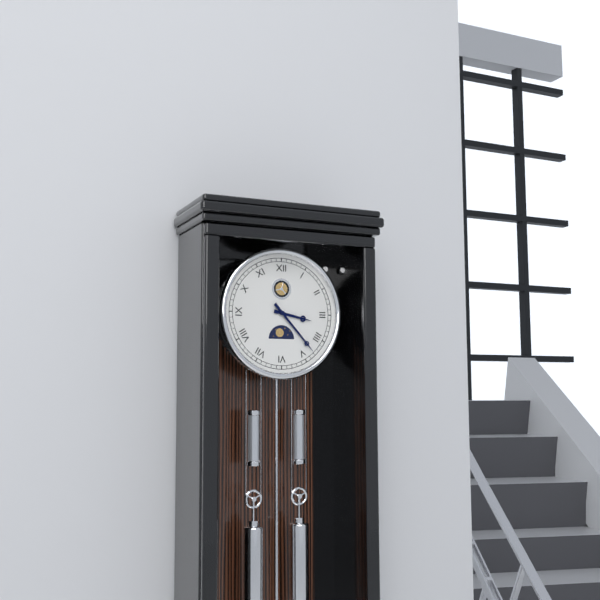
3,23
